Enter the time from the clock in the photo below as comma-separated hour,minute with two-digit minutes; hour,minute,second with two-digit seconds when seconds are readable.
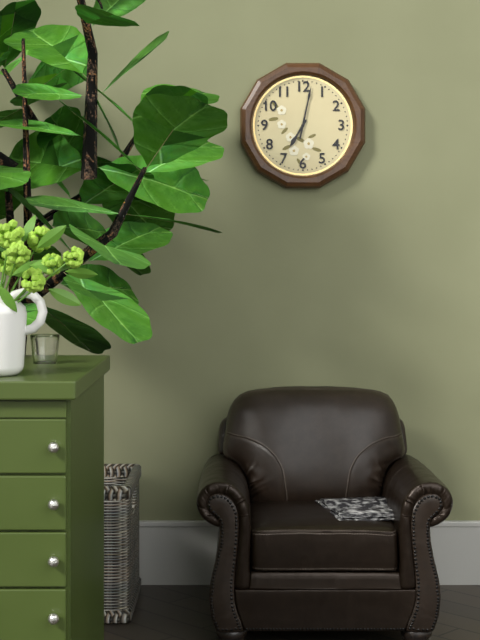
7,02
